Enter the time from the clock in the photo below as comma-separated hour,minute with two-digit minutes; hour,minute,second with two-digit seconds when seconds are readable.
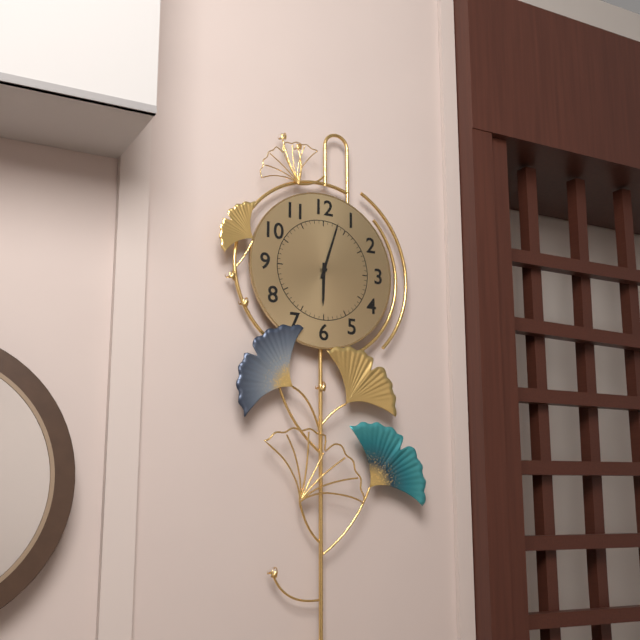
6,03
